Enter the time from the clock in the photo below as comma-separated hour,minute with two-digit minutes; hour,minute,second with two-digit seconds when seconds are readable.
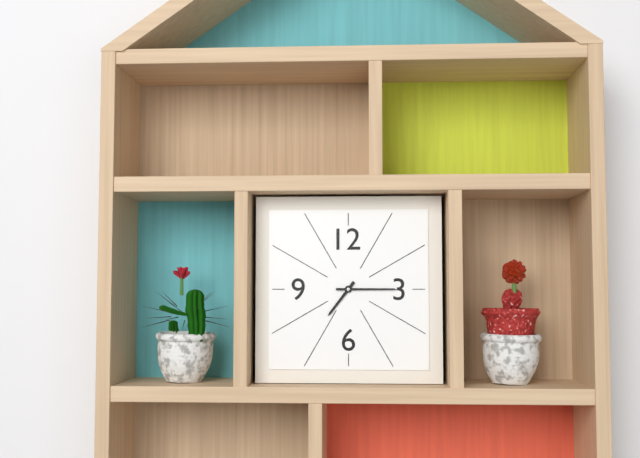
7,15
